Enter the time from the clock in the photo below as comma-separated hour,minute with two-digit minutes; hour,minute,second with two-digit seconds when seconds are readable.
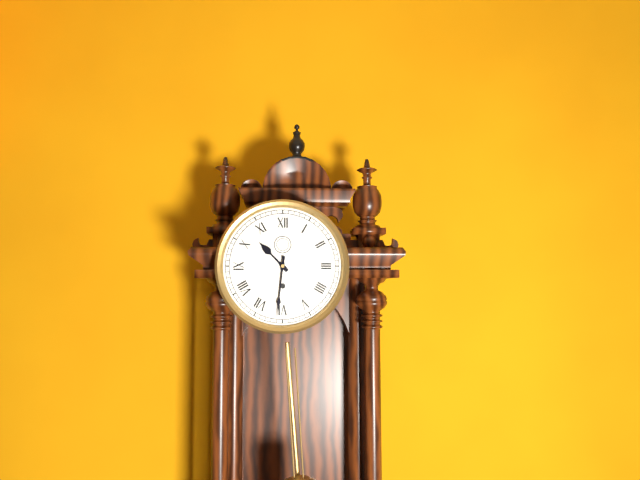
10,31
